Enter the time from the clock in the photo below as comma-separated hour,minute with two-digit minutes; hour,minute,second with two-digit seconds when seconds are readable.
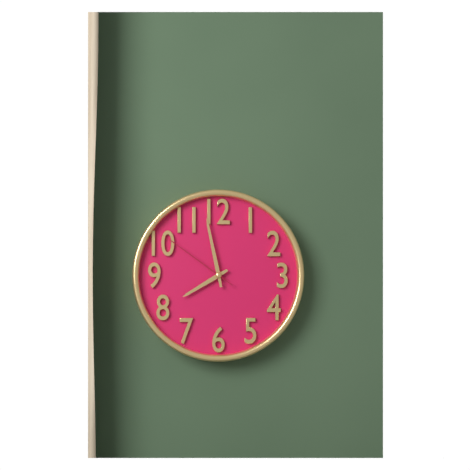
7,58,51
